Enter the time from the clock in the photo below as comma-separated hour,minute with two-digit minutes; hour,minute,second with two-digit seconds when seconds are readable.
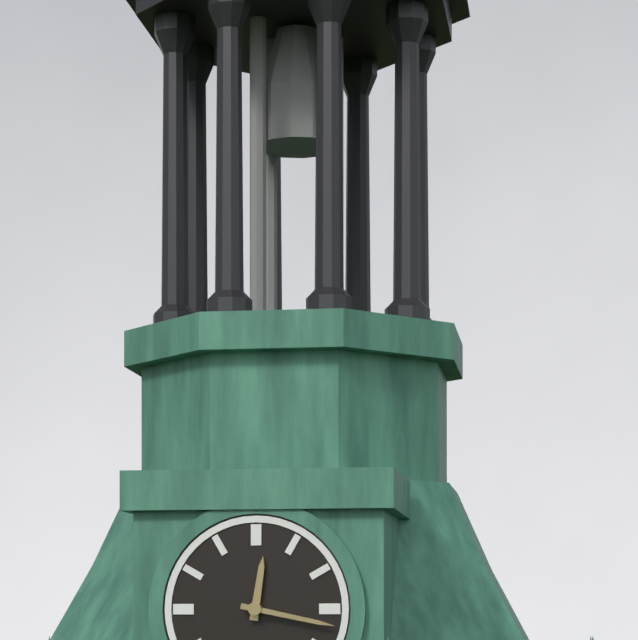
12,17
